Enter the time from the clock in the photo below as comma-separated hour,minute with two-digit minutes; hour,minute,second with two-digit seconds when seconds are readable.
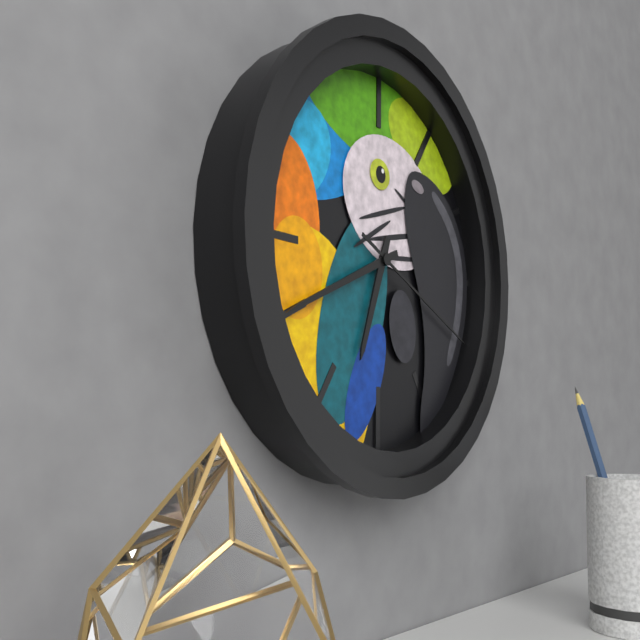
6,41,19
